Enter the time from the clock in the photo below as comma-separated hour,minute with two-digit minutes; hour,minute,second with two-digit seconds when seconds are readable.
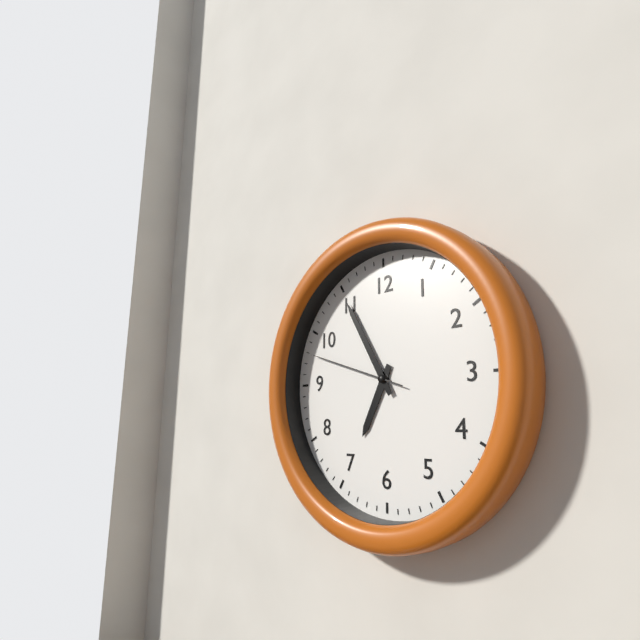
6,55,48
